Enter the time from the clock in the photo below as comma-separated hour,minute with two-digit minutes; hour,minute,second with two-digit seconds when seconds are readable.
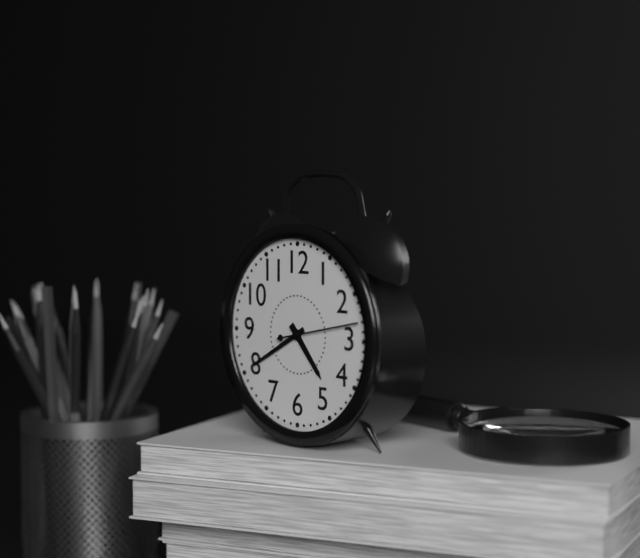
4,40,13
